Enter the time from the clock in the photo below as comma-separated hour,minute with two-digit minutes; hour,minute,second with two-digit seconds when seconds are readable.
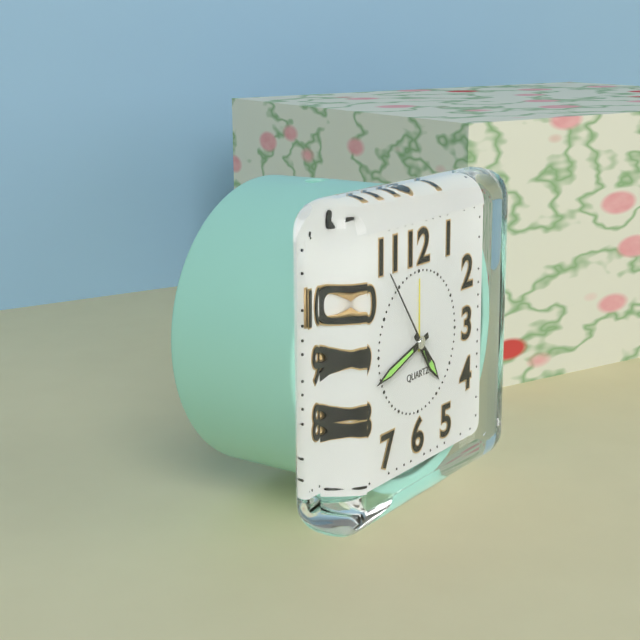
4,42,54
